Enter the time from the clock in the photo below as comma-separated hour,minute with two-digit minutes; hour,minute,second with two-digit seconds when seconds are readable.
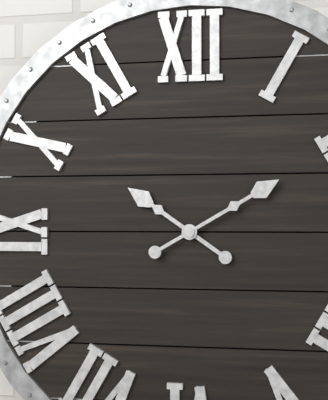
10,10
